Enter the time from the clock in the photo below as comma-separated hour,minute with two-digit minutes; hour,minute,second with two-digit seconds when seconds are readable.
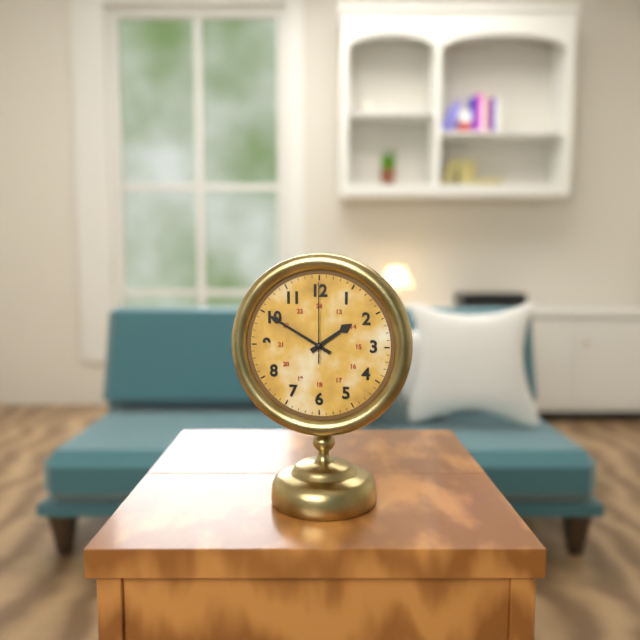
1,50,00
